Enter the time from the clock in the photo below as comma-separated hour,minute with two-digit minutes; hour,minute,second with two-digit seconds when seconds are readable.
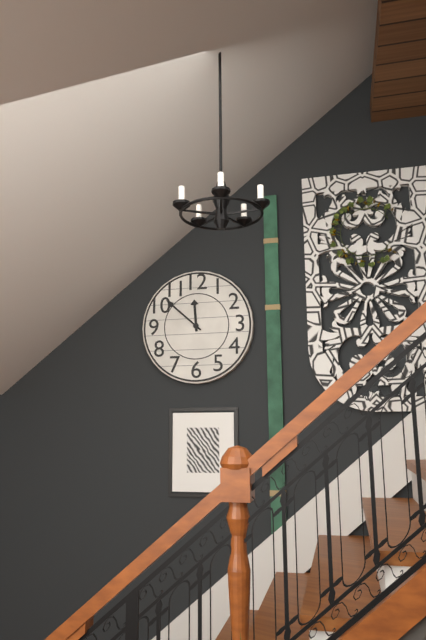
11,52
